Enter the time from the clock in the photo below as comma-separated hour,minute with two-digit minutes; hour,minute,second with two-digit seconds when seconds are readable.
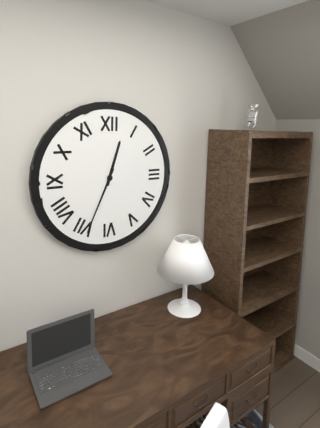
12,34
